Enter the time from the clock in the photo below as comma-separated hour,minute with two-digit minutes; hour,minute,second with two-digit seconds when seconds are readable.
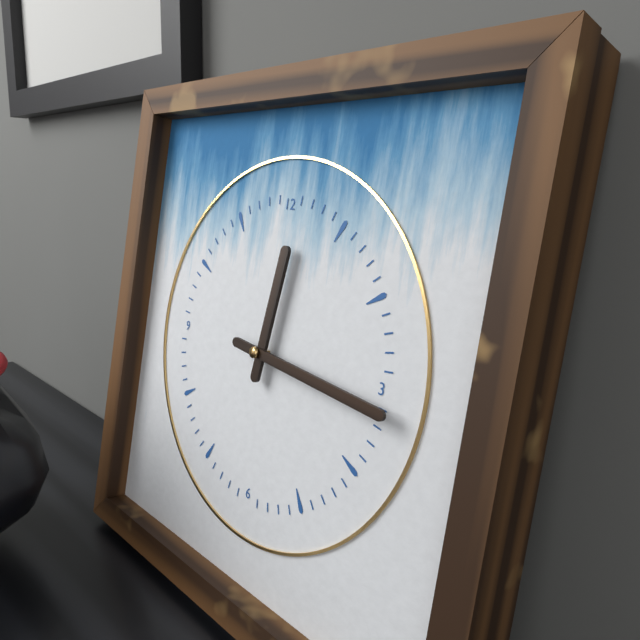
12,16
